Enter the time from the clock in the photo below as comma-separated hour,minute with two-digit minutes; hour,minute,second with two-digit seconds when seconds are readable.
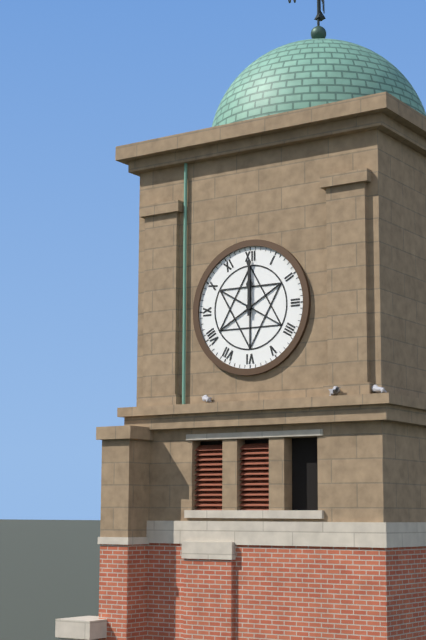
12,00
